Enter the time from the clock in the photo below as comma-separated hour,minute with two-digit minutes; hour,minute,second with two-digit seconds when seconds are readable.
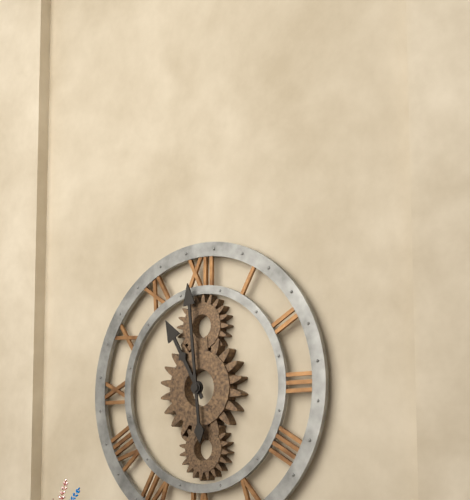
10,59
